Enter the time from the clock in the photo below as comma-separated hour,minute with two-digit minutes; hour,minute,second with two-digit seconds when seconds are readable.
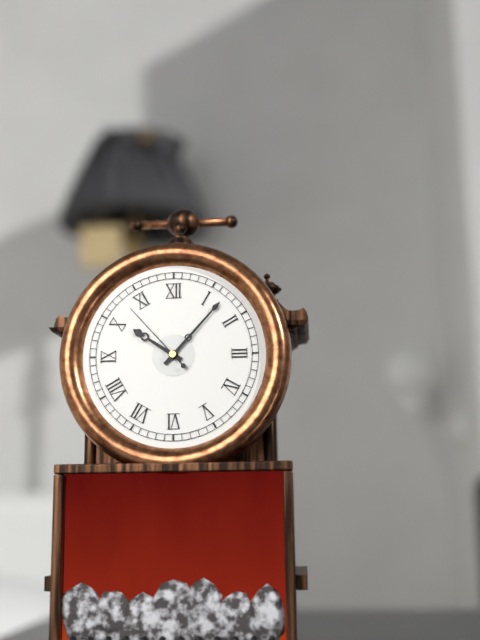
10,07,53
